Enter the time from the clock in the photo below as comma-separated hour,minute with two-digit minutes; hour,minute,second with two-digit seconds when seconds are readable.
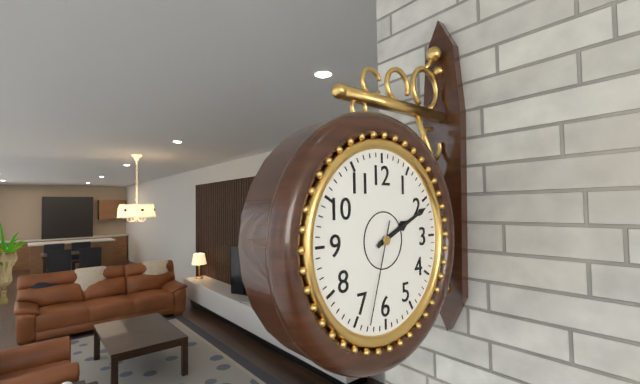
2,11,33
